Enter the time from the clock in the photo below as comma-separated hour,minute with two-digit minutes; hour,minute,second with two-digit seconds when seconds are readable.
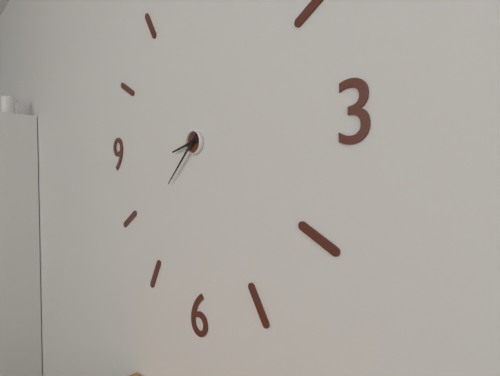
8,38
